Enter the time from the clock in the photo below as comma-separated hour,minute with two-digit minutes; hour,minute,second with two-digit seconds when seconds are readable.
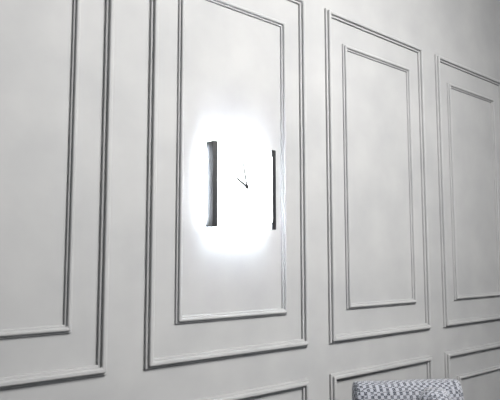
9,58
